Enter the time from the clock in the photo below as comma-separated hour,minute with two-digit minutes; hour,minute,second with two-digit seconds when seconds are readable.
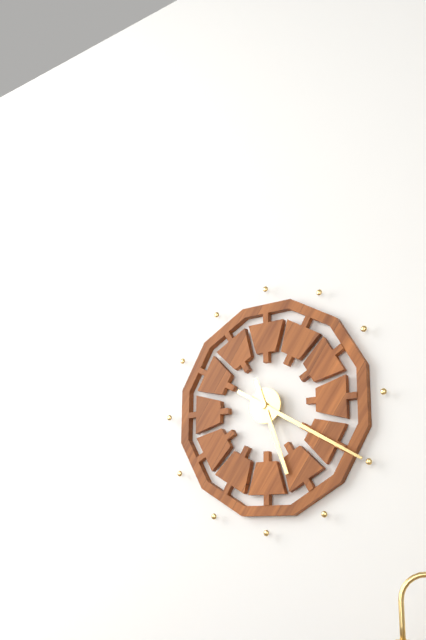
5,20
